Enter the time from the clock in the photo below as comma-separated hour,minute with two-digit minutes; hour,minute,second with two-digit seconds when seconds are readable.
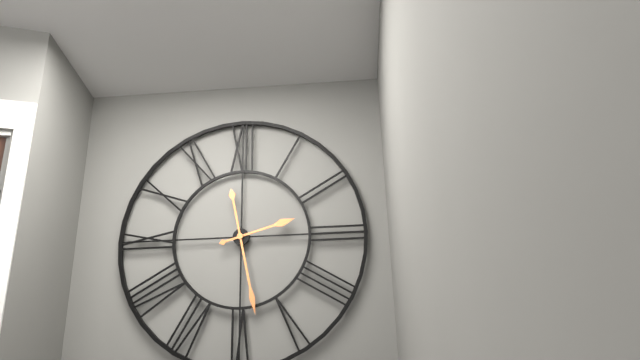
2,28
